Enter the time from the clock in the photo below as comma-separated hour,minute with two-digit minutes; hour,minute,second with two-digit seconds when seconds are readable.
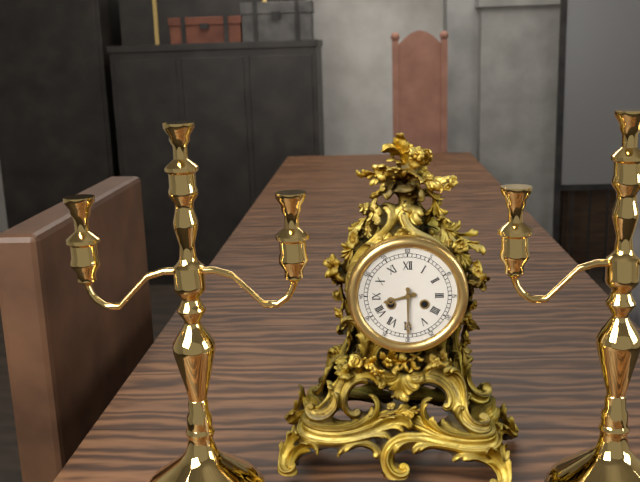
8,30
